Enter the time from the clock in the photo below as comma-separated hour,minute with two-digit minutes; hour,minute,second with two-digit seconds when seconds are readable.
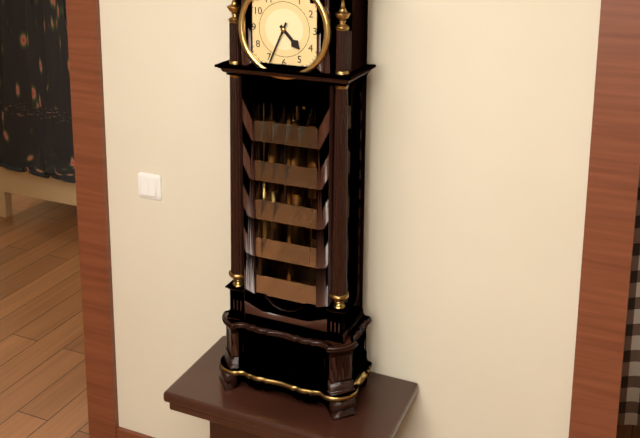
4,34
